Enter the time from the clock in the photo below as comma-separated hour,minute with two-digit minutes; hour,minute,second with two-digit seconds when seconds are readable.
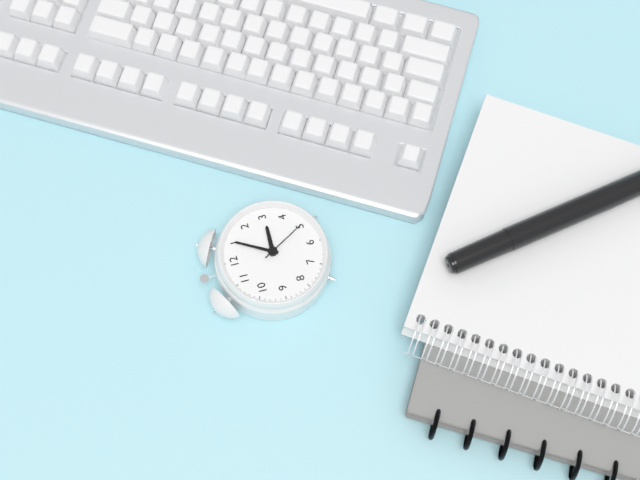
3,05
